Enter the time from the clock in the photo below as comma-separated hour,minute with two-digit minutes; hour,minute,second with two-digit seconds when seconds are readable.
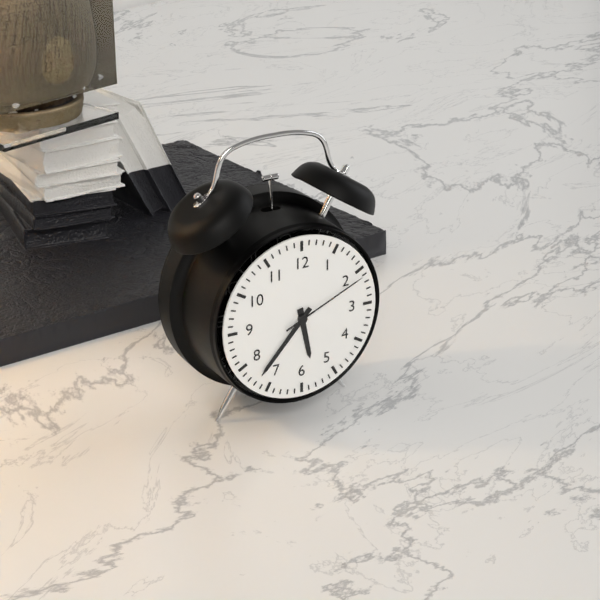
5,37,11
